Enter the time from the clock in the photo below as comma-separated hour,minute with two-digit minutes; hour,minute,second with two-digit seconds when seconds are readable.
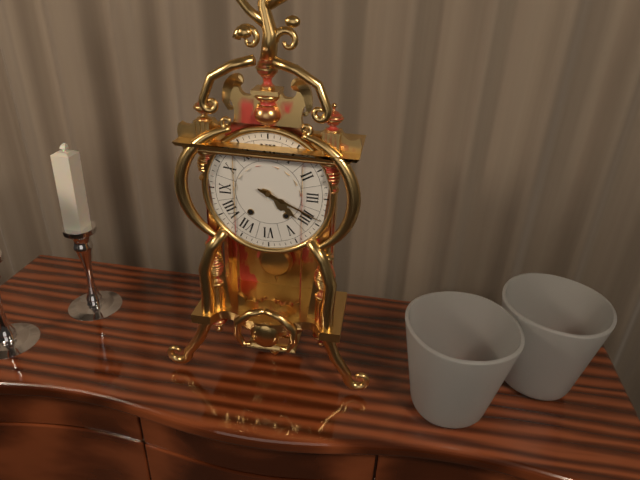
4,19
